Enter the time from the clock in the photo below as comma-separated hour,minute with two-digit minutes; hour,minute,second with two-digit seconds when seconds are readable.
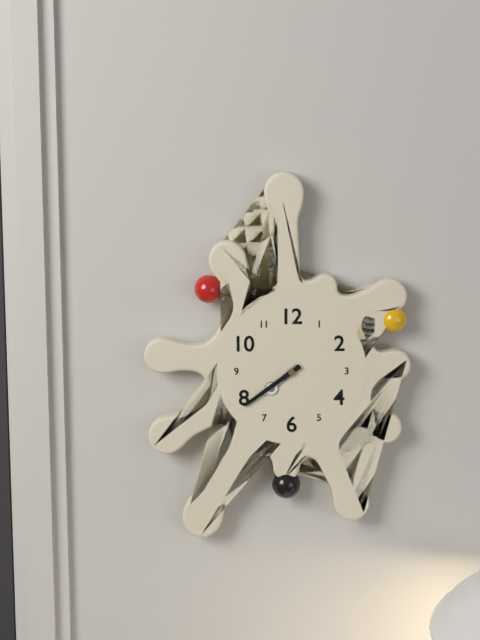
7,39
